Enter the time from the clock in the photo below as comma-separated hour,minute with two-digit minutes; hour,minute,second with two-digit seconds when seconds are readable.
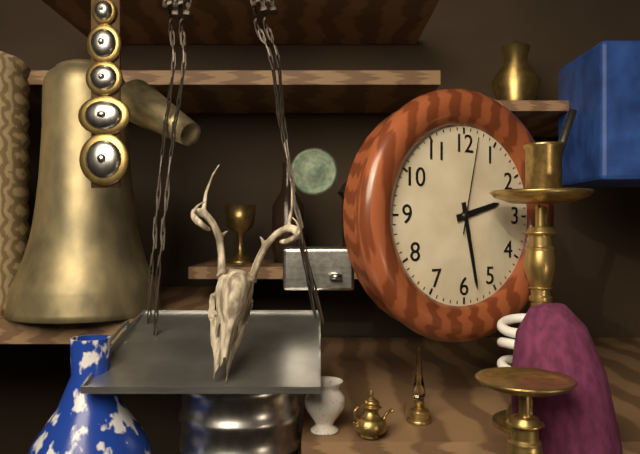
2,28,02
